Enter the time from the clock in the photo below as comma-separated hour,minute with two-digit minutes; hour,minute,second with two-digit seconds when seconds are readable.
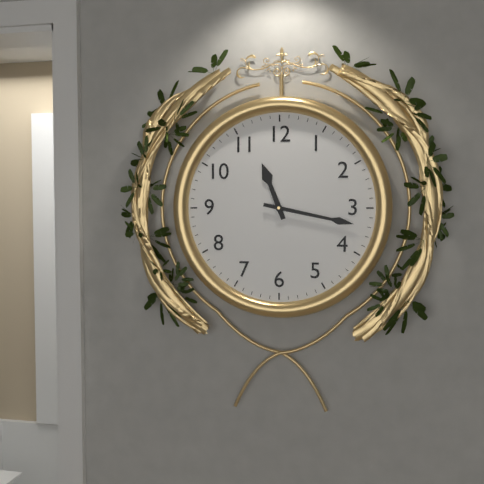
11,17
